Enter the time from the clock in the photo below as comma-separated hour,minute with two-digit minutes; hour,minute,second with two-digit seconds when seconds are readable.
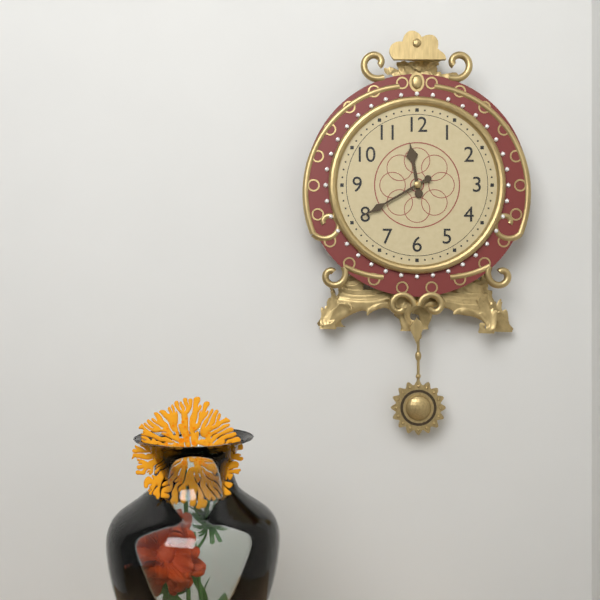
11,40
